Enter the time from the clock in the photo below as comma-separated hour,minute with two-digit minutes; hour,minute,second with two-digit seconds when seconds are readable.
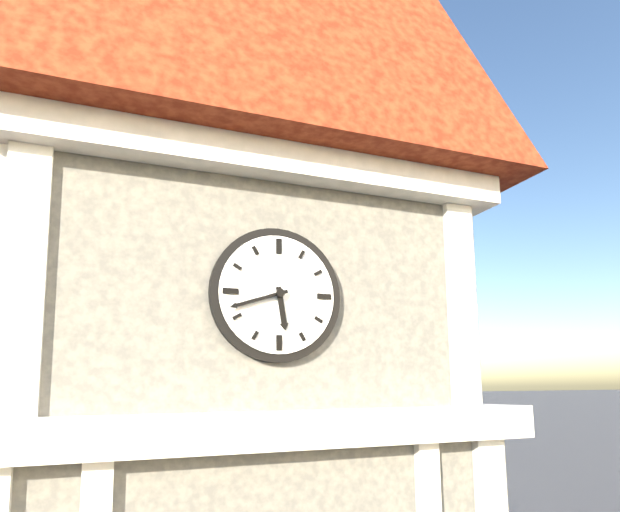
5,42
